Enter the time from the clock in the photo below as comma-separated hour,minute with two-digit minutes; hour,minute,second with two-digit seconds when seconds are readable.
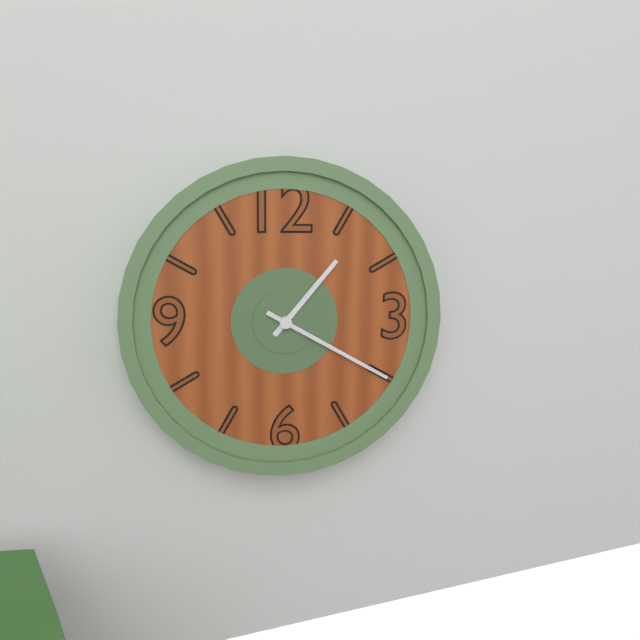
1,20
